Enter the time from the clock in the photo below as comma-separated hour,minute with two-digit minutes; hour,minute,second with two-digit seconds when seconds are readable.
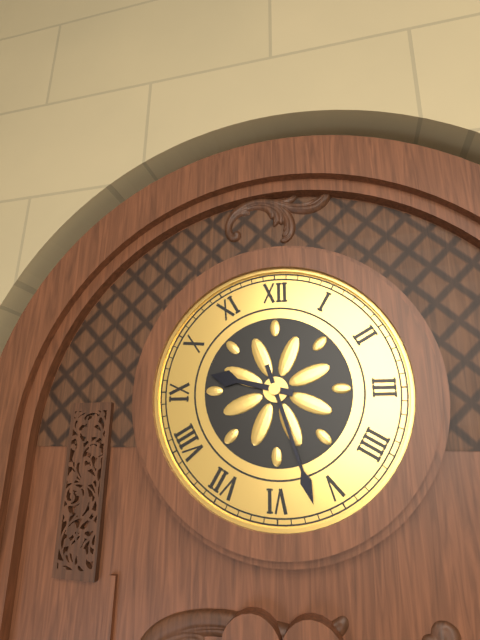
9,27
